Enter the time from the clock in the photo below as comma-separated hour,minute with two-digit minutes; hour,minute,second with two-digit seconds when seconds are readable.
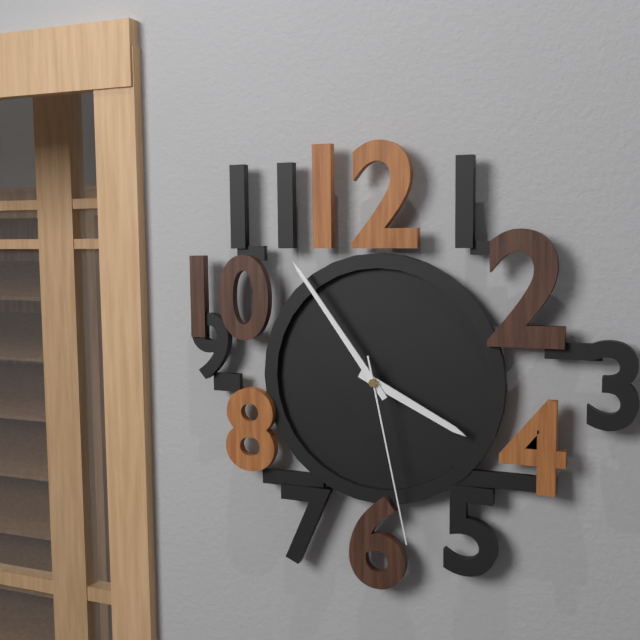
3,54,28
